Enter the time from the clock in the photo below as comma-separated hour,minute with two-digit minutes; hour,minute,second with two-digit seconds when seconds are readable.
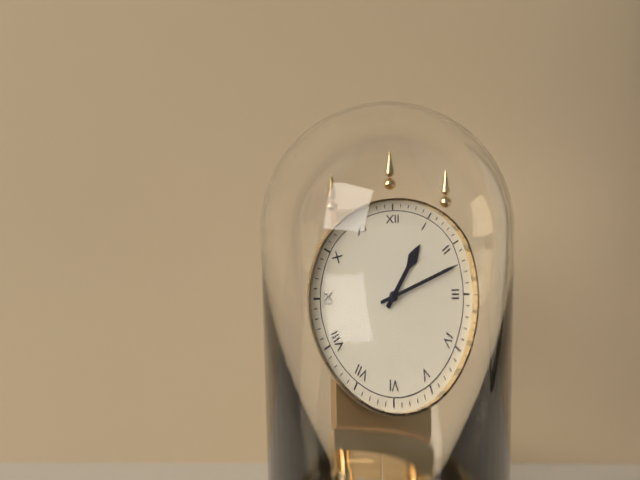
1,12
